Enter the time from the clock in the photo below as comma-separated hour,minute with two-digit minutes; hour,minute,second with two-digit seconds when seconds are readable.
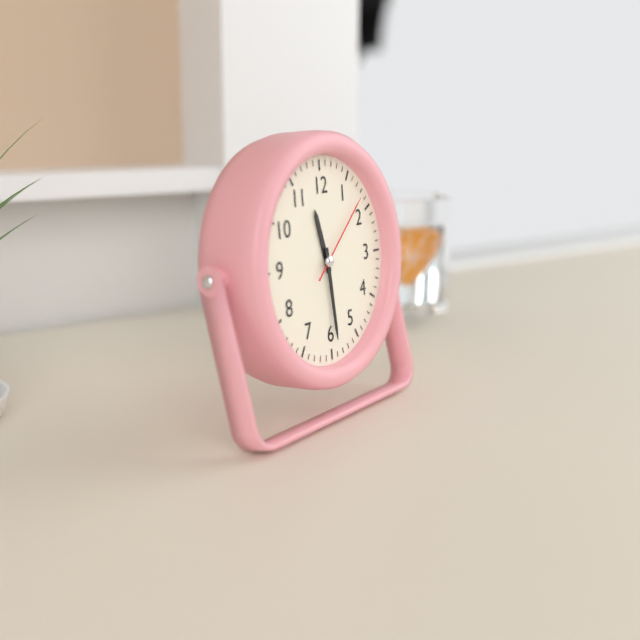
11,29,08
